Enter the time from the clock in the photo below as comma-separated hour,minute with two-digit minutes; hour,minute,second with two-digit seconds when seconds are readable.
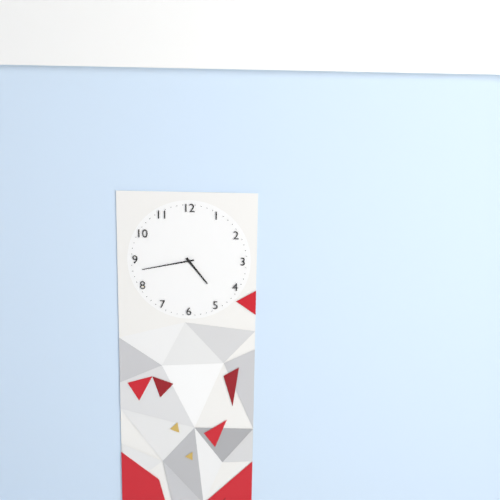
4,43
